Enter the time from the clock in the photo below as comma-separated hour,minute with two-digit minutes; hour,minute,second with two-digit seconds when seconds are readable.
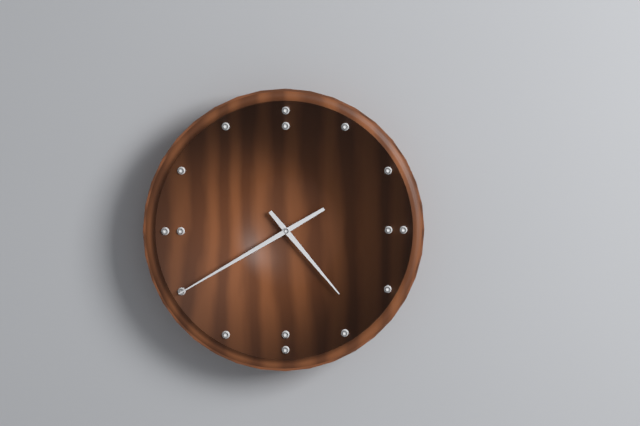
4,40
